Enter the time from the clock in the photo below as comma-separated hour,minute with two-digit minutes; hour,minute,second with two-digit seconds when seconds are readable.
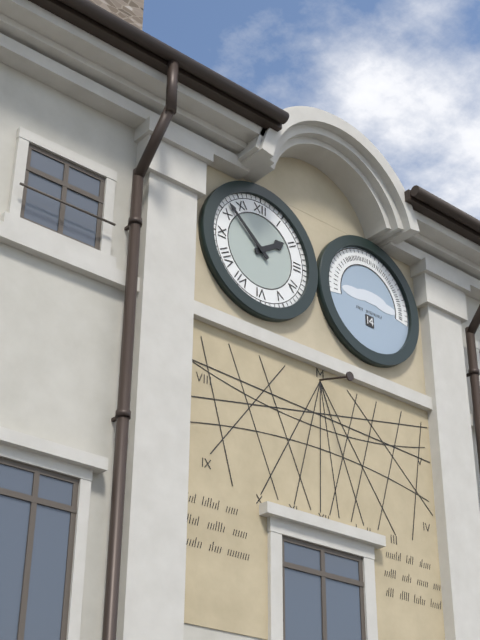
1,52
